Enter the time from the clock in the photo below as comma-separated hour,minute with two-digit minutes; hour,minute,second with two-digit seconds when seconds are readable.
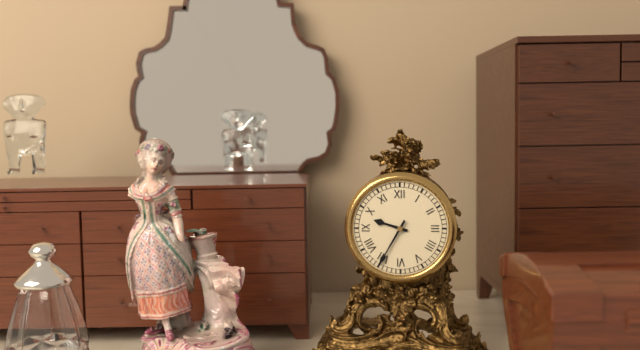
9,35
